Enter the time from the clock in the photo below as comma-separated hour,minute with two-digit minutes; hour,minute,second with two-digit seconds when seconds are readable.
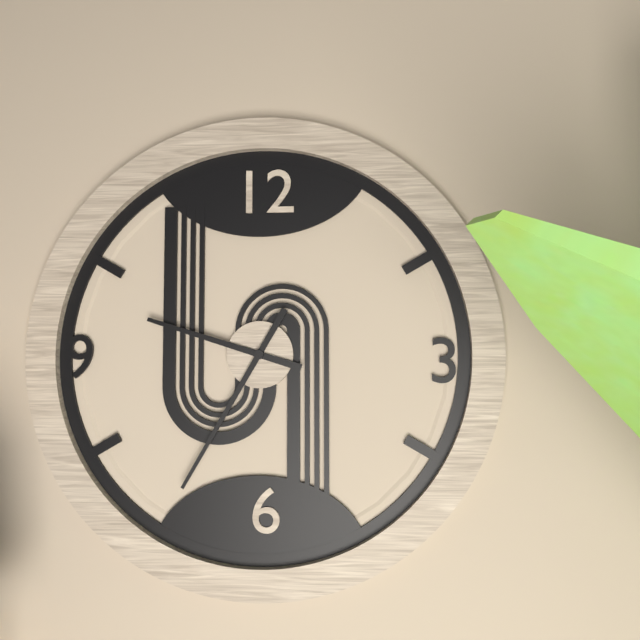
9,35
